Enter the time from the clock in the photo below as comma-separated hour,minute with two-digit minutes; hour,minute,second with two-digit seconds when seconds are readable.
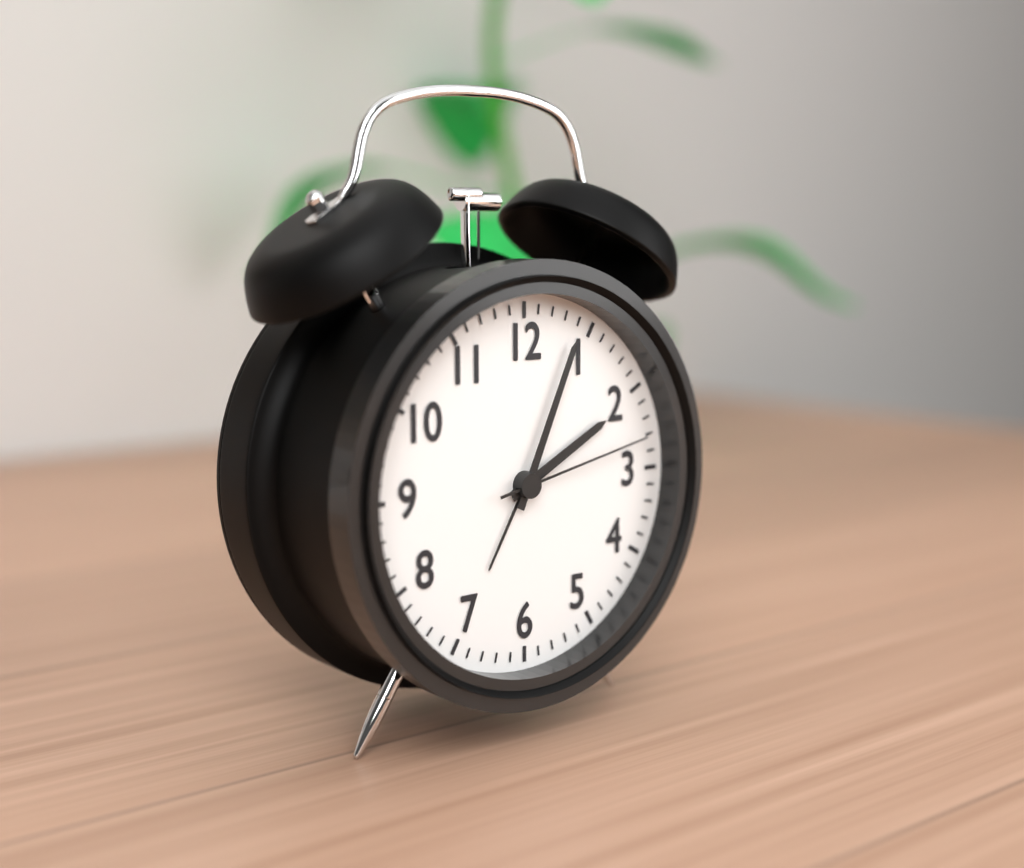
2,04,13
